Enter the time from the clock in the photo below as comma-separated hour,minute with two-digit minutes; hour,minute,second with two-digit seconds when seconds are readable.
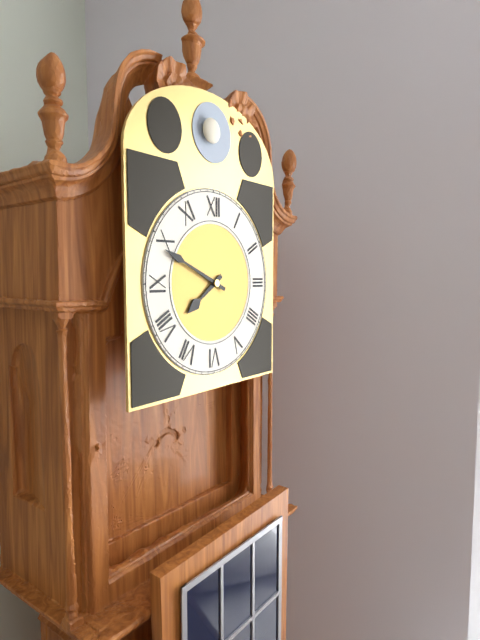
7,49
